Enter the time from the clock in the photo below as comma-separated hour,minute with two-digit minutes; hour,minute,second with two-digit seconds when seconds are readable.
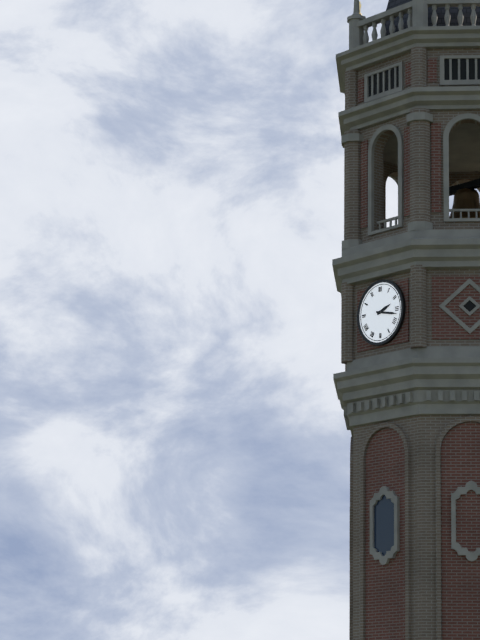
2,17
